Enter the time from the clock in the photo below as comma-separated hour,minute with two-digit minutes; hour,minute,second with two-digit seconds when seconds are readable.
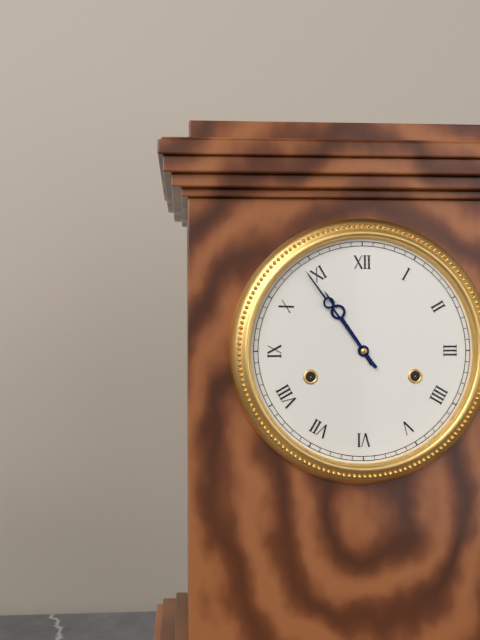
10,54
